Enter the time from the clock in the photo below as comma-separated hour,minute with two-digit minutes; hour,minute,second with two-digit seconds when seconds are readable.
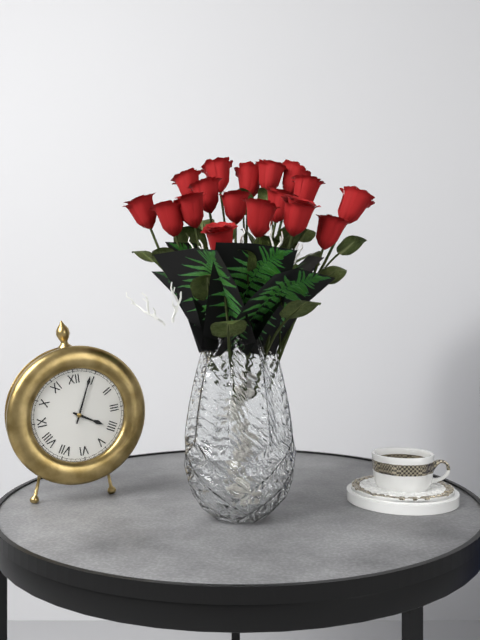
4,04
